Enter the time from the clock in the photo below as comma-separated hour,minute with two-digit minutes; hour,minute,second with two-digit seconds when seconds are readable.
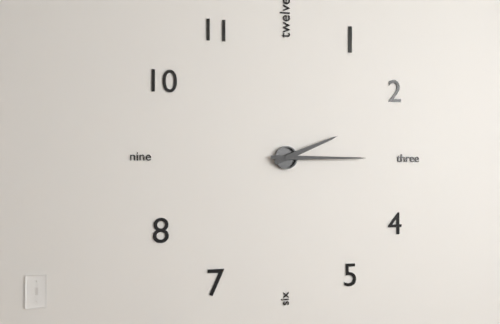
2,15
